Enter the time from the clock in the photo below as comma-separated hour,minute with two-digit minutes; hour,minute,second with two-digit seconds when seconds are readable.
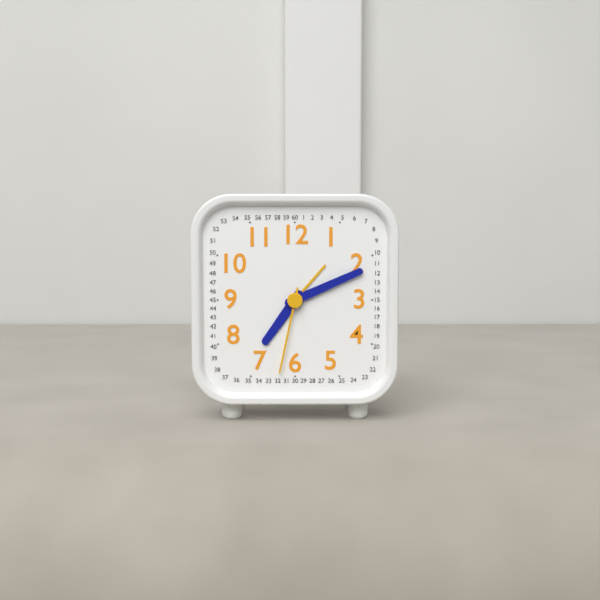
7,11,32
